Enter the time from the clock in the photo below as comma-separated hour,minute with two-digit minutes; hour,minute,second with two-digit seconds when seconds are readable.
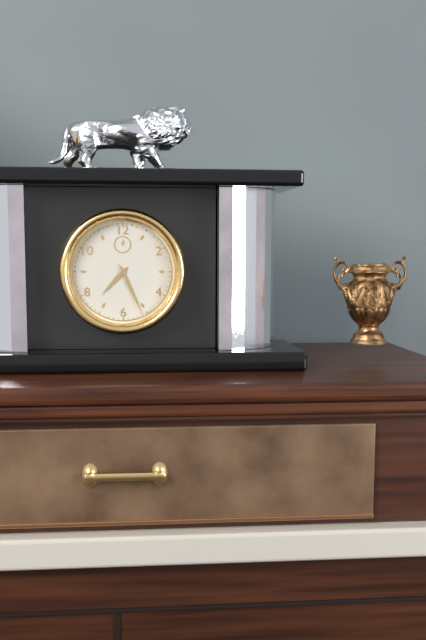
7,26
